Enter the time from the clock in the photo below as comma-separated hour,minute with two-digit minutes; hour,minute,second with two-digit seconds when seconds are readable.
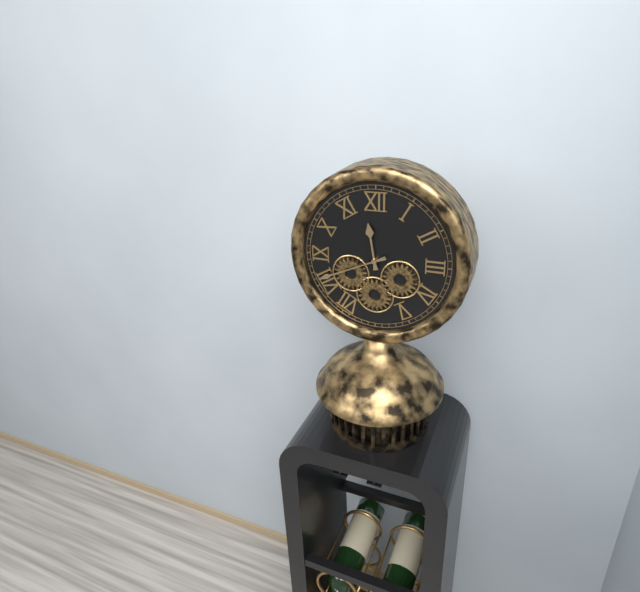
11,41
